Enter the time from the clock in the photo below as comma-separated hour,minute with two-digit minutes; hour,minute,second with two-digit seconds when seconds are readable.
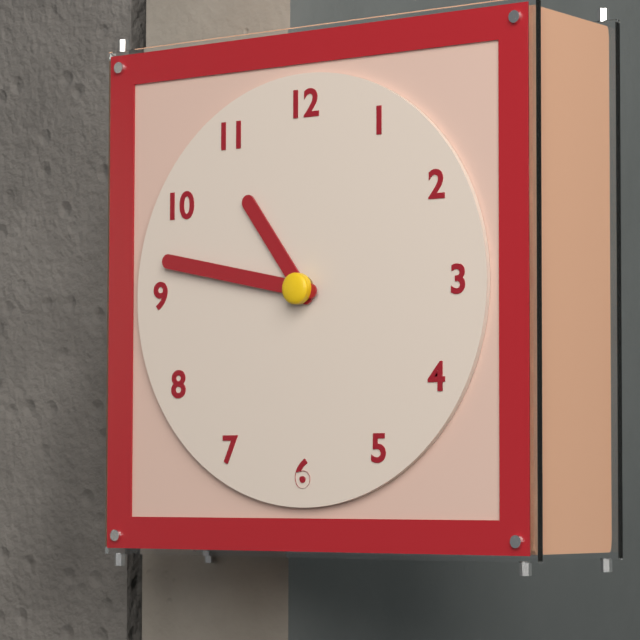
10,47
